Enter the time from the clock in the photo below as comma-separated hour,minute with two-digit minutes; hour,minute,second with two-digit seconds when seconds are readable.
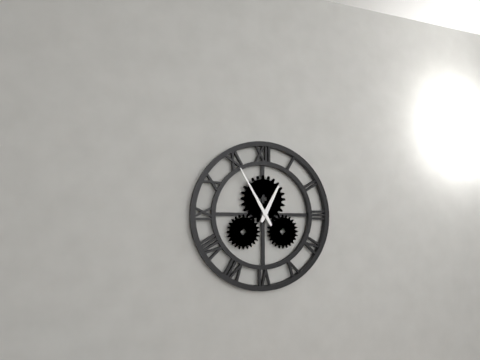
12,55
